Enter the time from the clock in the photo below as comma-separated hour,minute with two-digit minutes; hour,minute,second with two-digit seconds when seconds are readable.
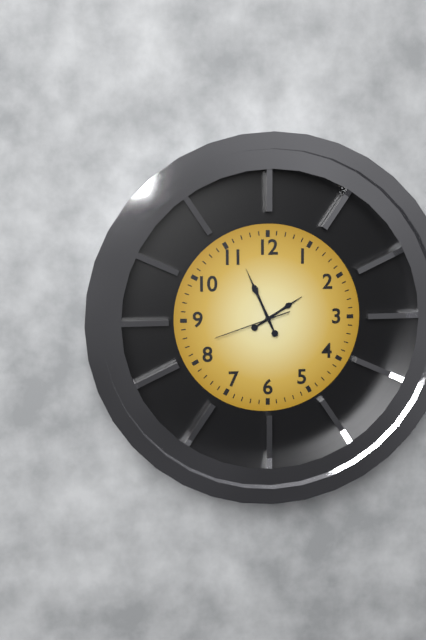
1,56,42
